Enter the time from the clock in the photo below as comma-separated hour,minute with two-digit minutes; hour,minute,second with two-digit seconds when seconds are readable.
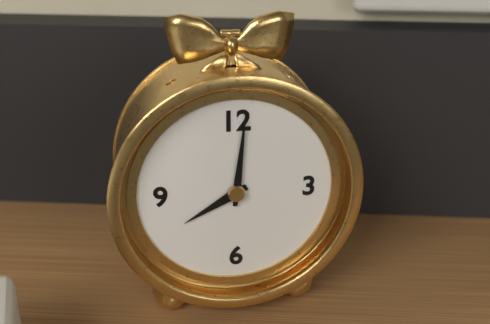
8,01
